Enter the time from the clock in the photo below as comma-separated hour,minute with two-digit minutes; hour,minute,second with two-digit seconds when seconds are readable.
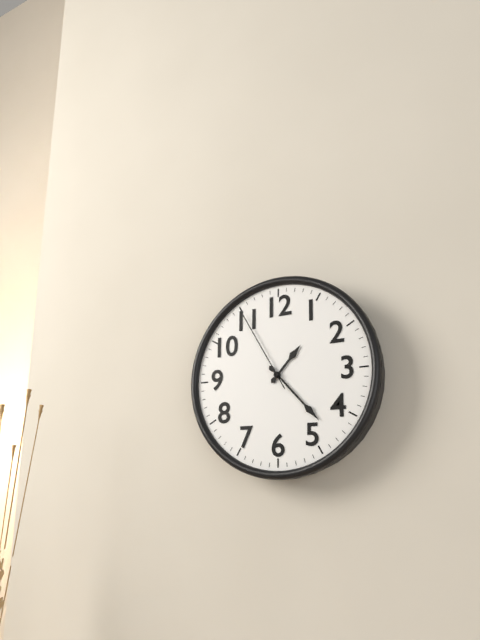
1,23,55
